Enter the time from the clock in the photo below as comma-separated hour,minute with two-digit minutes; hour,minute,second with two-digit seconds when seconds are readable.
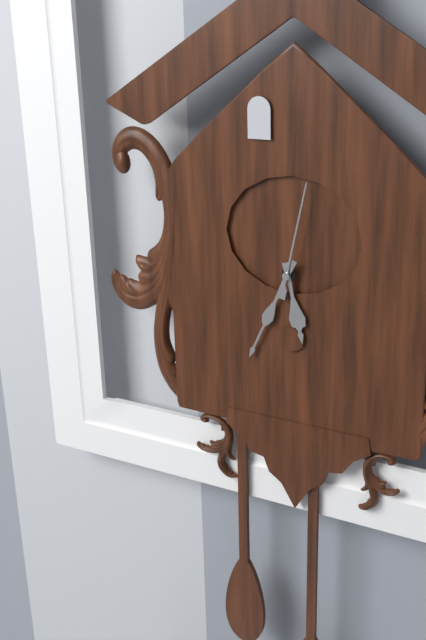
5,34,02
